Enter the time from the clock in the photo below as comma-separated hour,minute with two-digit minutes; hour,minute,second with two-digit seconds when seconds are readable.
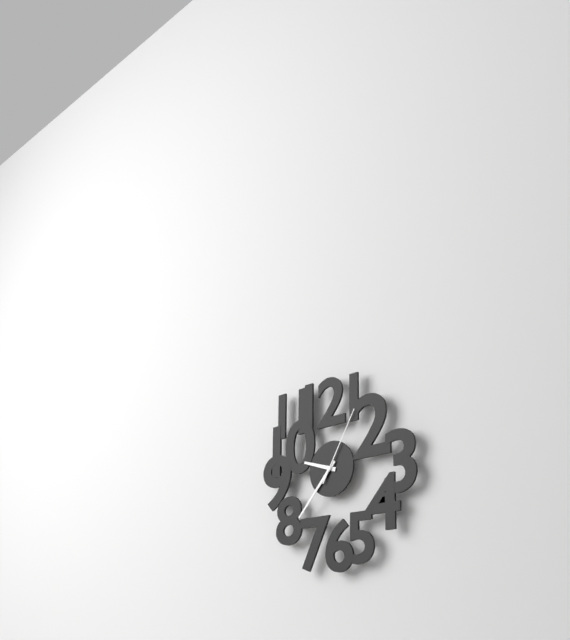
9,37,05
